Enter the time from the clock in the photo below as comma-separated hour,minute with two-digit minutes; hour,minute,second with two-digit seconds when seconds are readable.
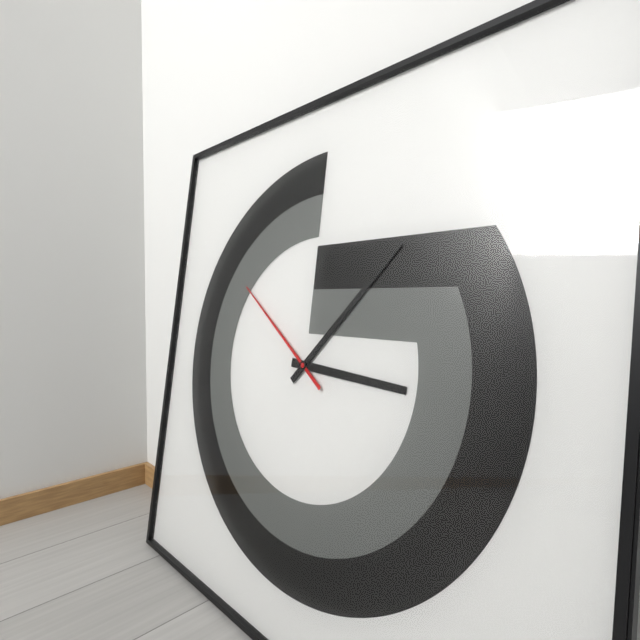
3,07,51
